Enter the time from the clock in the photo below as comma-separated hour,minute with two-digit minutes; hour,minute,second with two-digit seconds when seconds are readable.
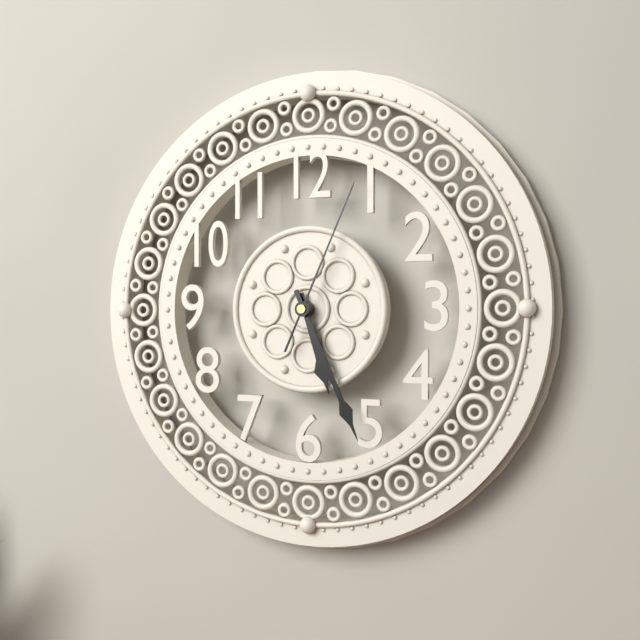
5,26,04
